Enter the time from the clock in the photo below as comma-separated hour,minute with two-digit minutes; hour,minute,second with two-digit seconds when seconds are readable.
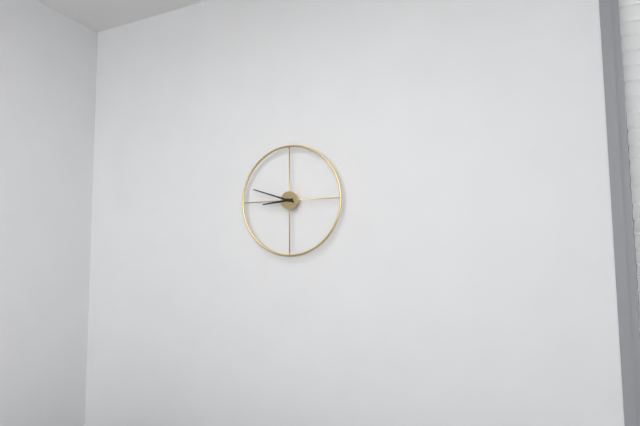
8,48
